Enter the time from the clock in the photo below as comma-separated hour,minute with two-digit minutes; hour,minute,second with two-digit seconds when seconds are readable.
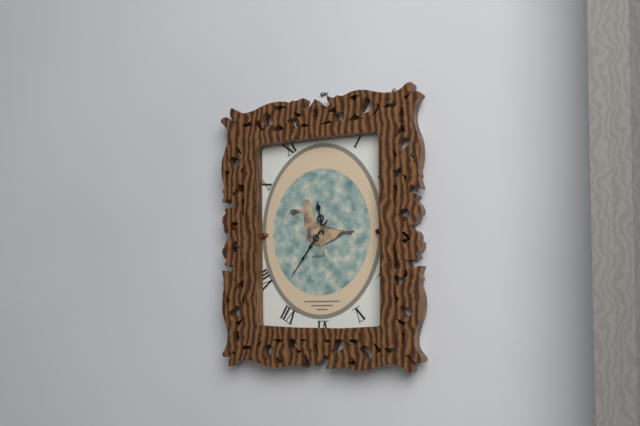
11,36
